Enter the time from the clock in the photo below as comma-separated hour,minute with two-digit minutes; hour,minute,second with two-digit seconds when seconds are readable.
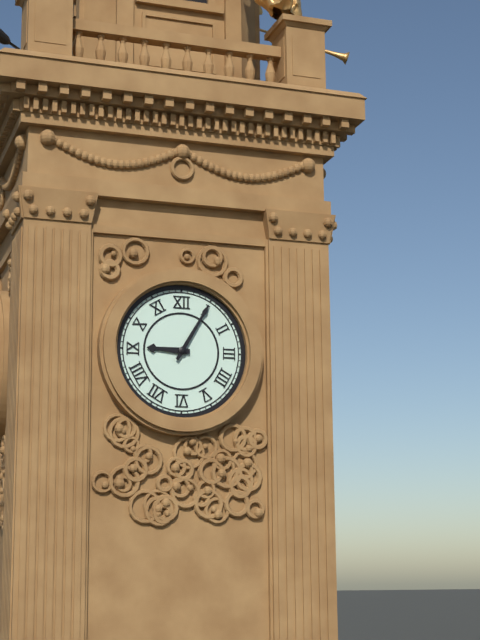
9,05
